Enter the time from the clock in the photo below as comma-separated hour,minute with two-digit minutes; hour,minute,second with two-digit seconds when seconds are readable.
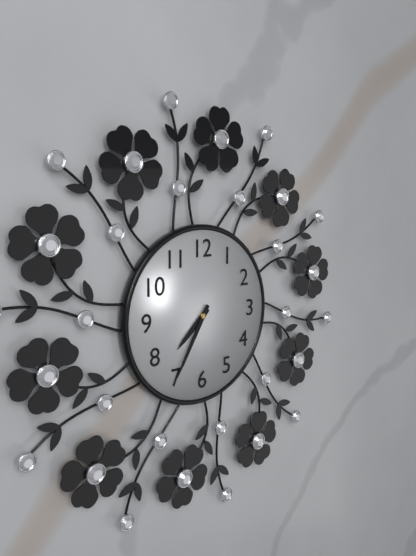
7,35
